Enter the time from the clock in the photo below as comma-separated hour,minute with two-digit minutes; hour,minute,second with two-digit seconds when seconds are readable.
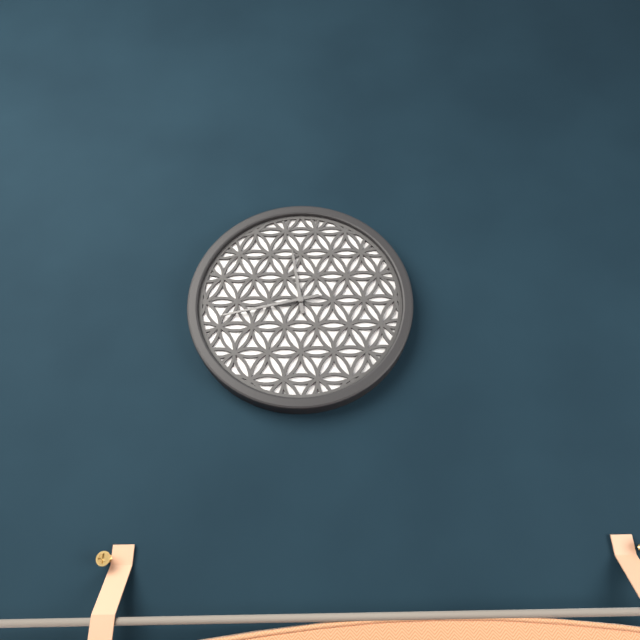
11,43
